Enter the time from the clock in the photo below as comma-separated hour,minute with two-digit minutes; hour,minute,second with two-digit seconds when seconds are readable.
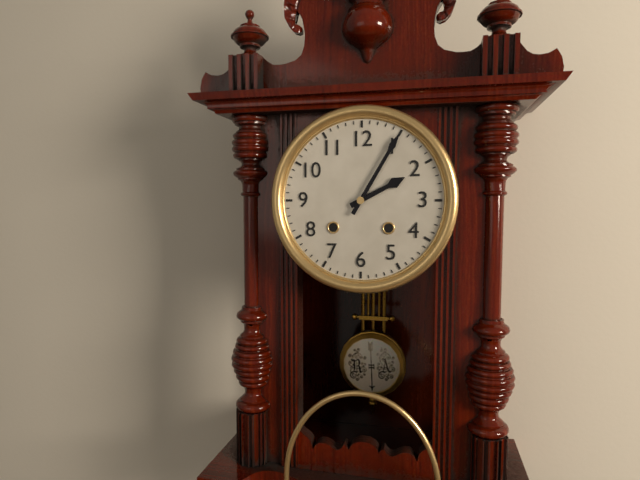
2,05
